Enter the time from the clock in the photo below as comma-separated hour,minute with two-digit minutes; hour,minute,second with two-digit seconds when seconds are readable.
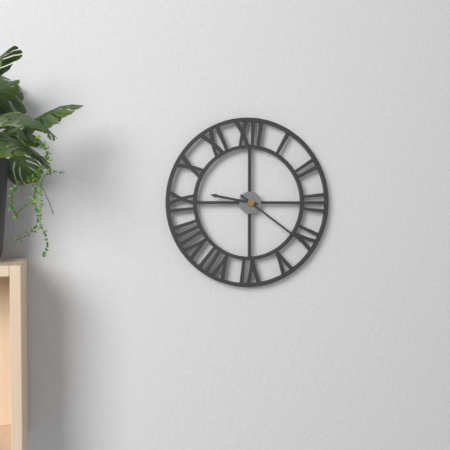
9,21
